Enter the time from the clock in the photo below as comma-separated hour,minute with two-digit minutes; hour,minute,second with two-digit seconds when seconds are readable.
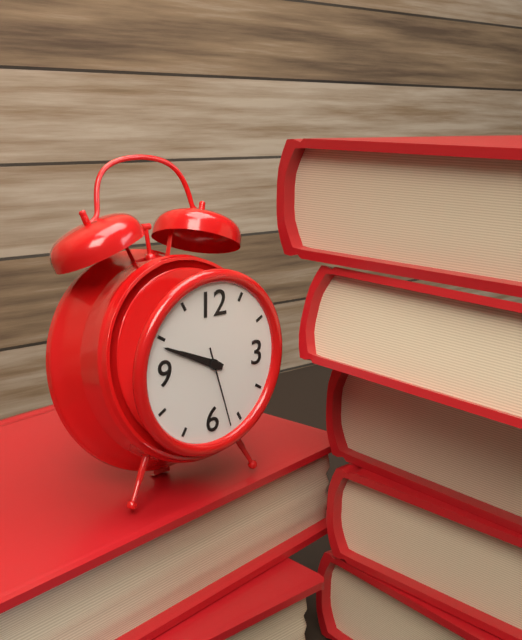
9,49,27
